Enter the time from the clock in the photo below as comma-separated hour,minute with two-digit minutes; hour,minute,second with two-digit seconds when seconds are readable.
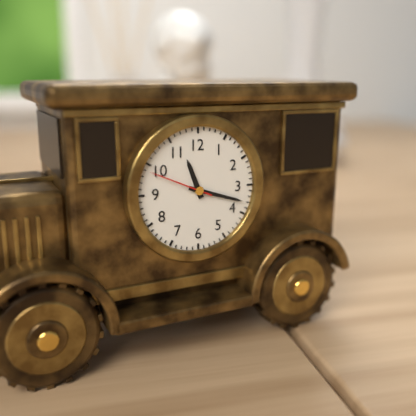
11,18,49
